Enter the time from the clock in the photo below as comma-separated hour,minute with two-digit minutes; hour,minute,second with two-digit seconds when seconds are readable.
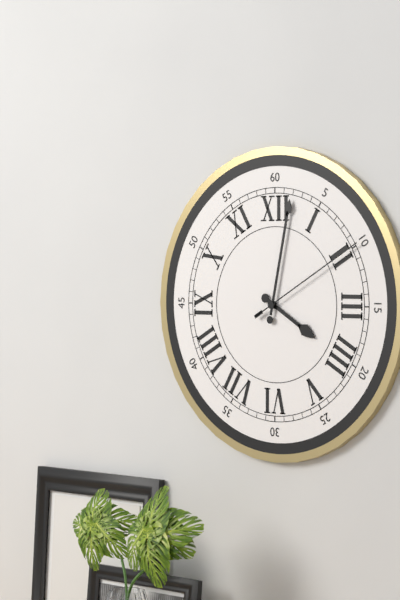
4,02,10
